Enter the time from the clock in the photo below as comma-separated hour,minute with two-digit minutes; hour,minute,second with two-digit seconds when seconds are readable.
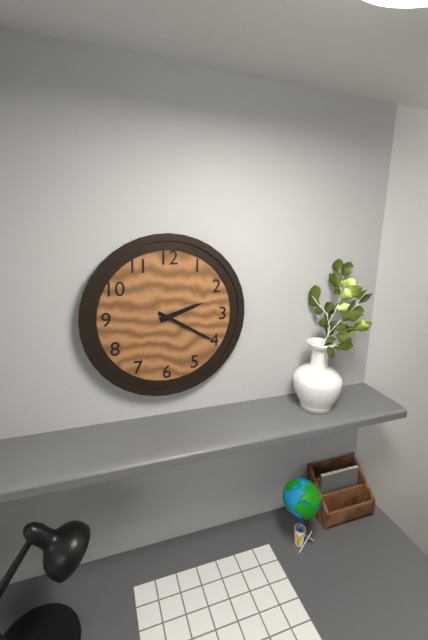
2,20
